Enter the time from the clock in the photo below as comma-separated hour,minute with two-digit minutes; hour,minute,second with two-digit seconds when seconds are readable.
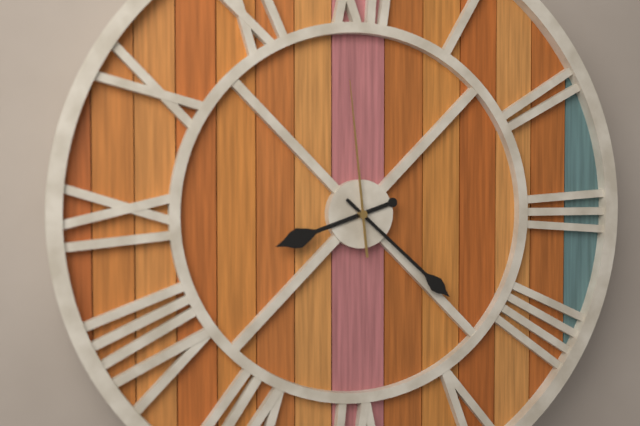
8,22,59
